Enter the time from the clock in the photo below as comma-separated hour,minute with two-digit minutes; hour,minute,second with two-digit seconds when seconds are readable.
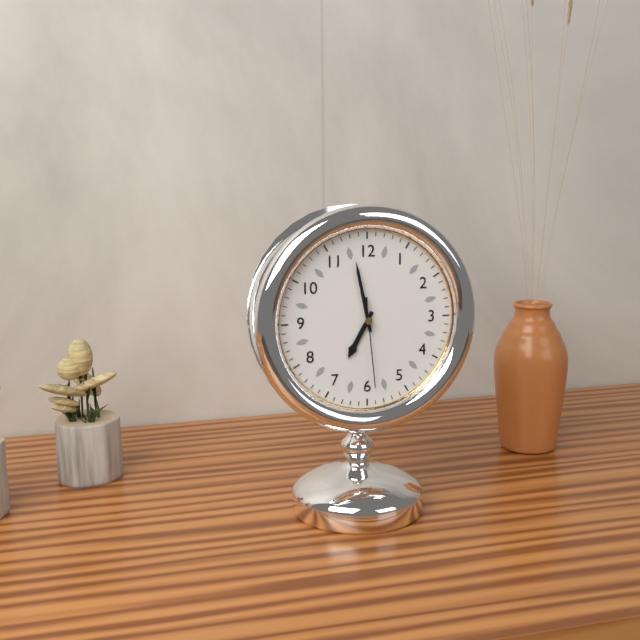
6,58,29
